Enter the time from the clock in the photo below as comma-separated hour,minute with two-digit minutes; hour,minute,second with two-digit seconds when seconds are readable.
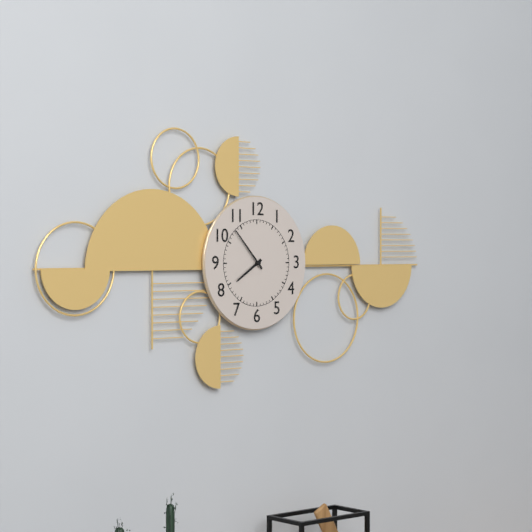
7,53
